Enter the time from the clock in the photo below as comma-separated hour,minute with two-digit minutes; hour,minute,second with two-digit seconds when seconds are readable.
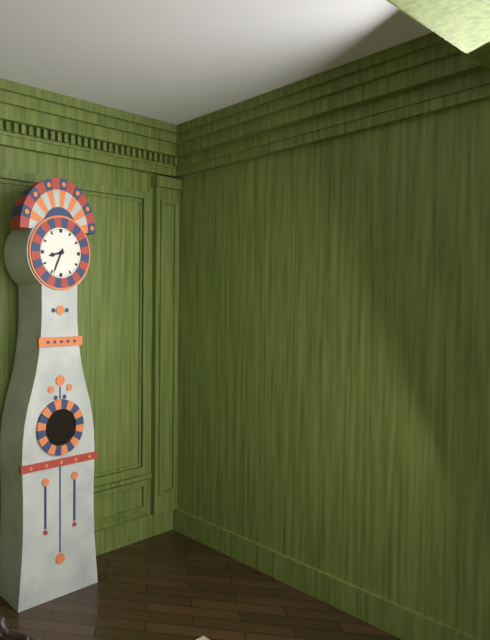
8,34
